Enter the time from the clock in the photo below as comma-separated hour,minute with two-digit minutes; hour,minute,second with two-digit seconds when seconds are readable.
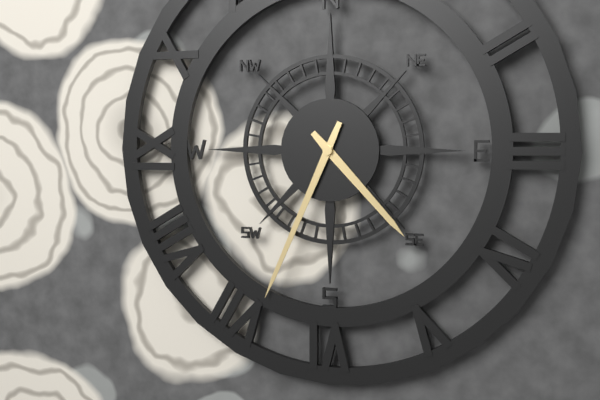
4,34
